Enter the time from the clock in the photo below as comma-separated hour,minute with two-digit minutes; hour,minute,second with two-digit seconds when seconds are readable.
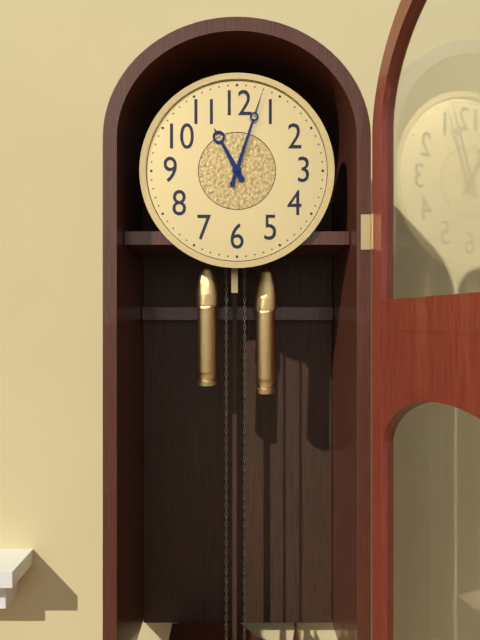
11,03
